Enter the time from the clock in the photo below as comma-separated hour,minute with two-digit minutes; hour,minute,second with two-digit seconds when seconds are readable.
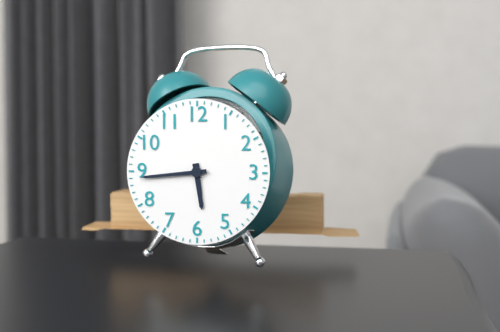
5,44
